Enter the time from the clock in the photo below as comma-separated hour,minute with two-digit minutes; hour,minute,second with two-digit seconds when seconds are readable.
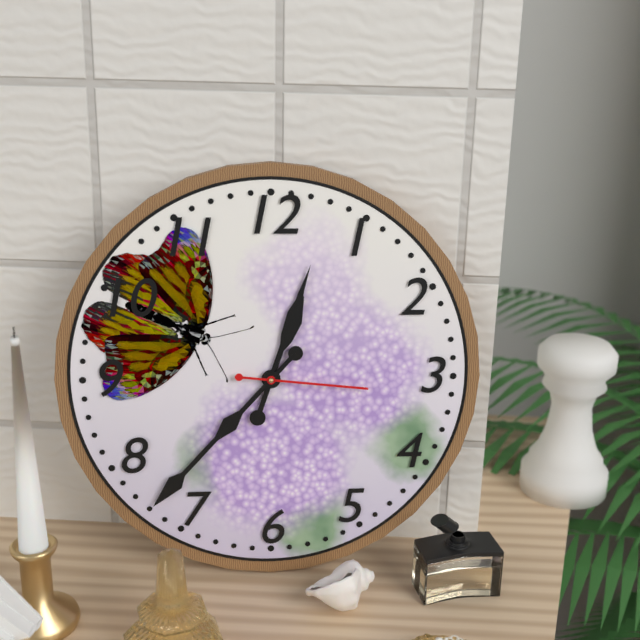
12,37,16
